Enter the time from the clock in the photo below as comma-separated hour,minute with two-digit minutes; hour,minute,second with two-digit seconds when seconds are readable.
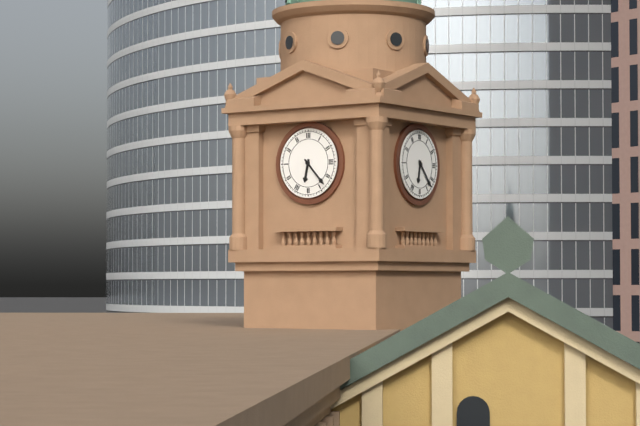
6,23
